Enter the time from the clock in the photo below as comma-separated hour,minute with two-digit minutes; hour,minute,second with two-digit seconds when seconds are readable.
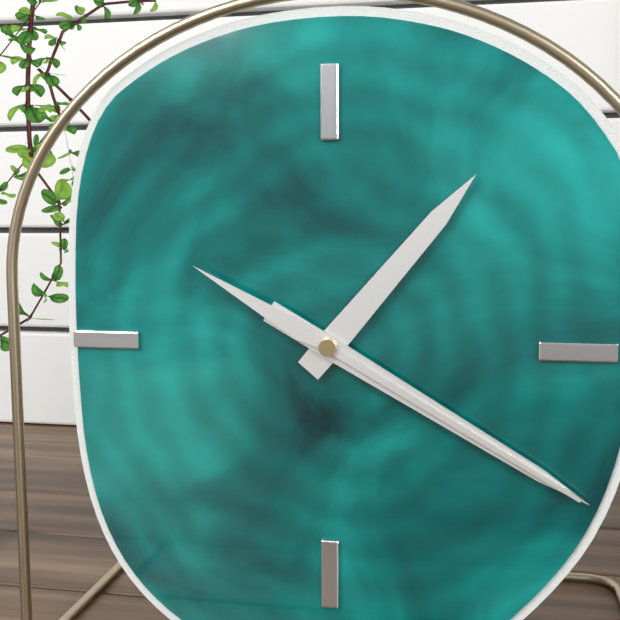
1,20,20
